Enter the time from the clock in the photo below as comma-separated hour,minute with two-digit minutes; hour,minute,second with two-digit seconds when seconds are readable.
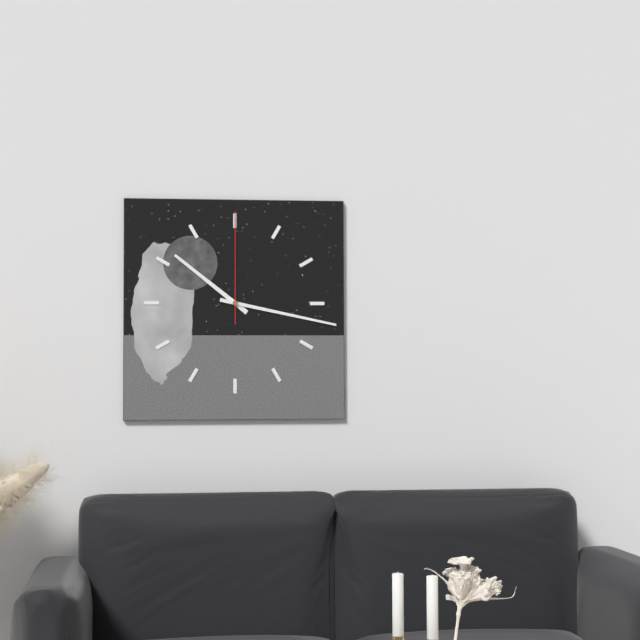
10,17,00
